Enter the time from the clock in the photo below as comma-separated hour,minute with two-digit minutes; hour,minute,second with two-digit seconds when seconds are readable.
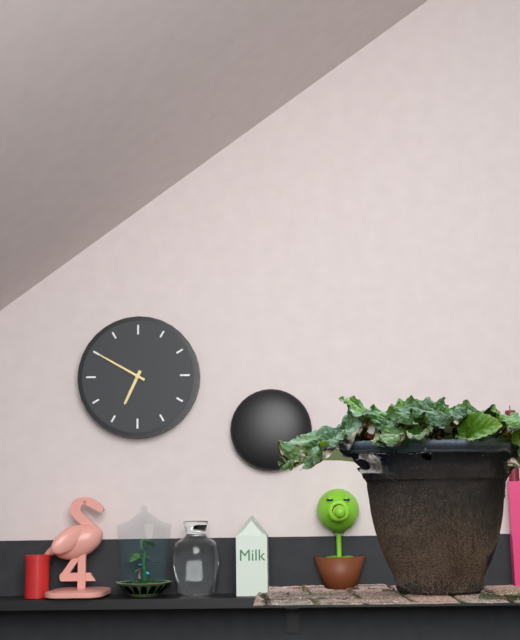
6,50
